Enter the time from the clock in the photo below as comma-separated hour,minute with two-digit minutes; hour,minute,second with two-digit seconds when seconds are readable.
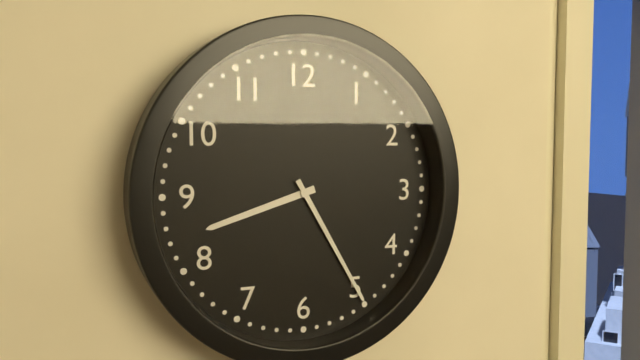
8,25
